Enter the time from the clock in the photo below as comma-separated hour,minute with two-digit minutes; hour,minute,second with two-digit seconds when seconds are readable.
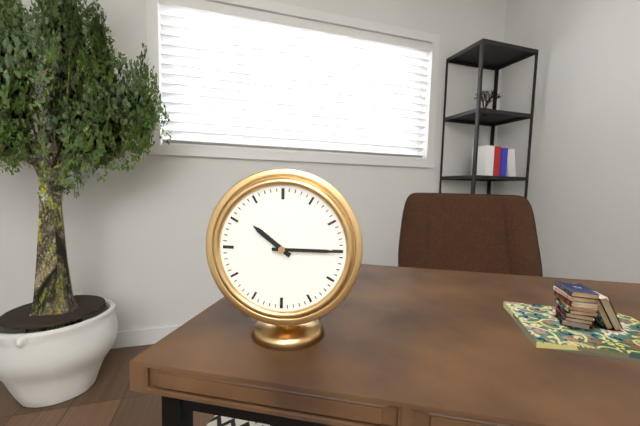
10,15
